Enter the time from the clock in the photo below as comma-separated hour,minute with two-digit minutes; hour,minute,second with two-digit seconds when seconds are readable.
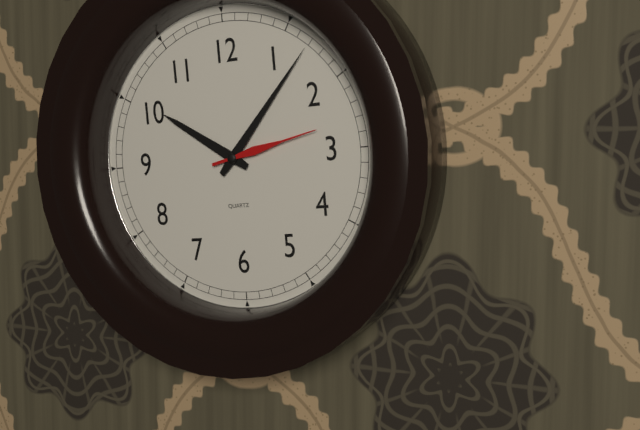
10,07,13
